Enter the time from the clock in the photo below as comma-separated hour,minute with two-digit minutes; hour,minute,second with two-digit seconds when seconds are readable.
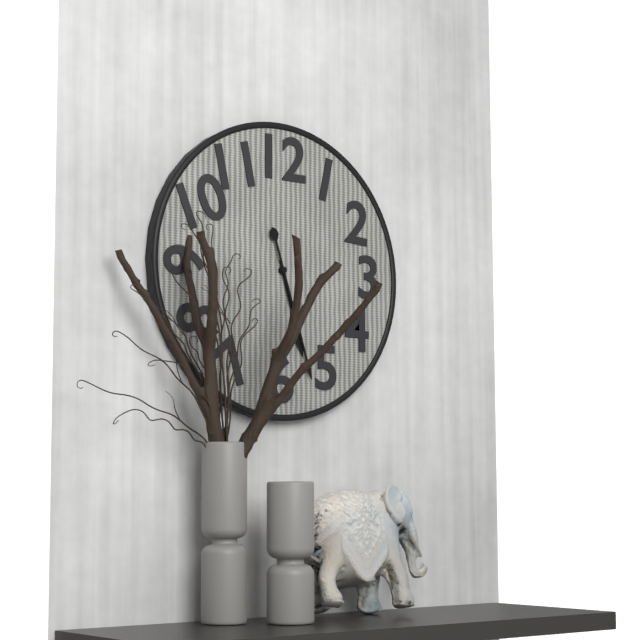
5,27
